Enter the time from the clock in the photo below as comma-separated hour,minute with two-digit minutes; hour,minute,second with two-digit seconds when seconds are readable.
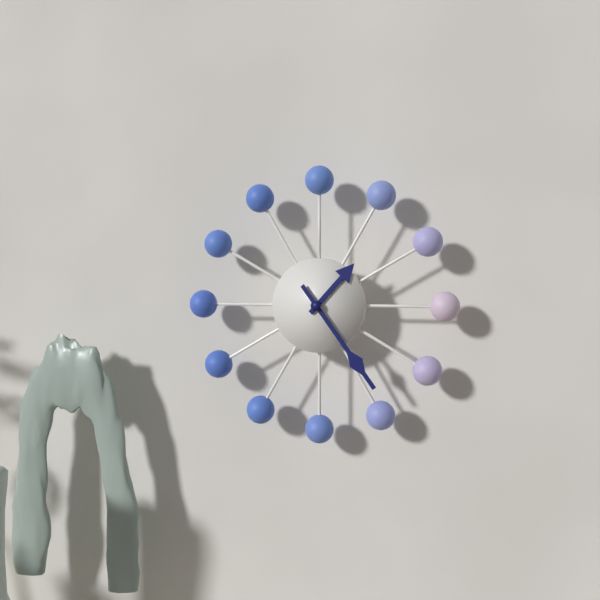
1,24
